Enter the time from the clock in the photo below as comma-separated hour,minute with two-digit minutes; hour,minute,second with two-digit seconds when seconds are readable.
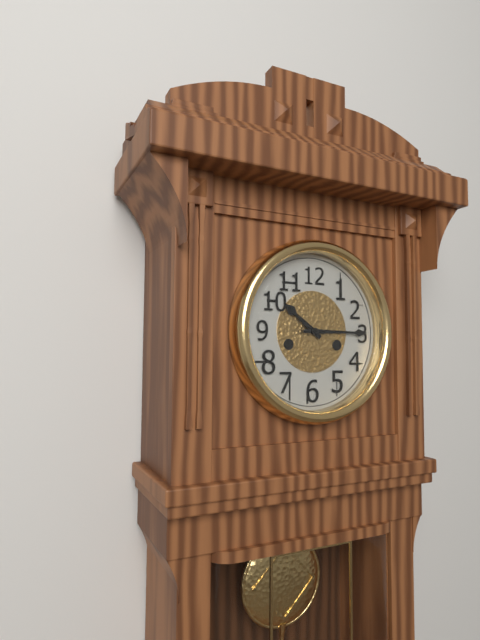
10,15
